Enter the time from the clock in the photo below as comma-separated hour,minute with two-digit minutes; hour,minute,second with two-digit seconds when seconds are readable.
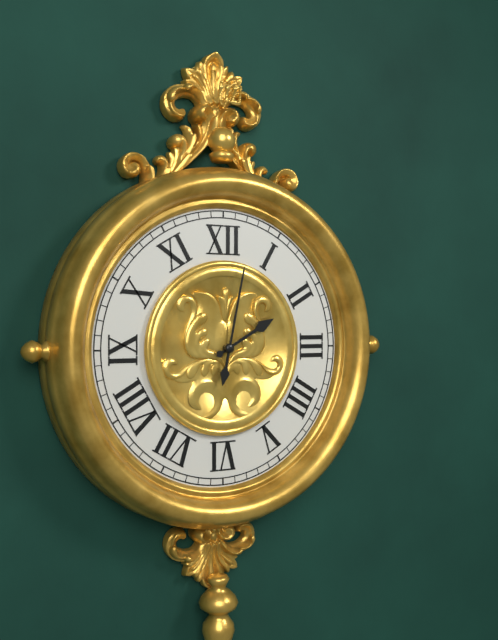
2,02
